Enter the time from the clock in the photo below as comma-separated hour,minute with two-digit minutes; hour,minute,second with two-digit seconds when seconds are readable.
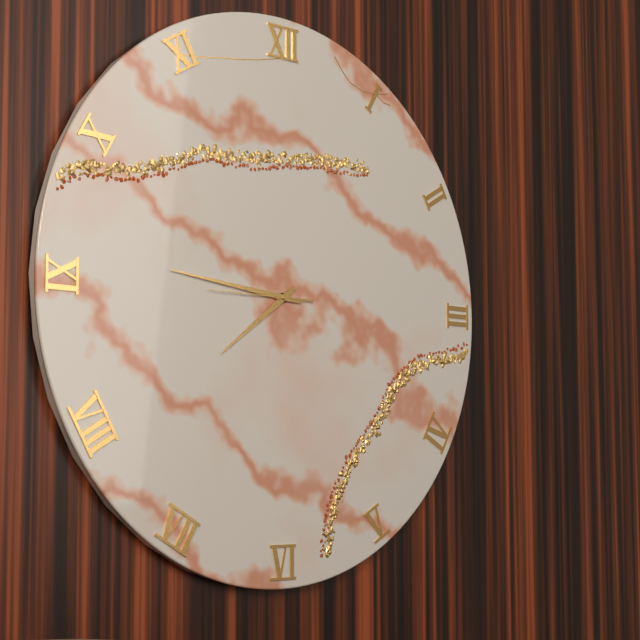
7,46,45
